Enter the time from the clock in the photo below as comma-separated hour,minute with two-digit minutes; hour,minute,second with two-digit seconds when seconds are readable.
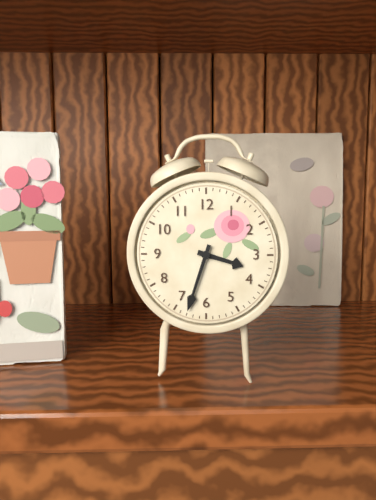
3,33
